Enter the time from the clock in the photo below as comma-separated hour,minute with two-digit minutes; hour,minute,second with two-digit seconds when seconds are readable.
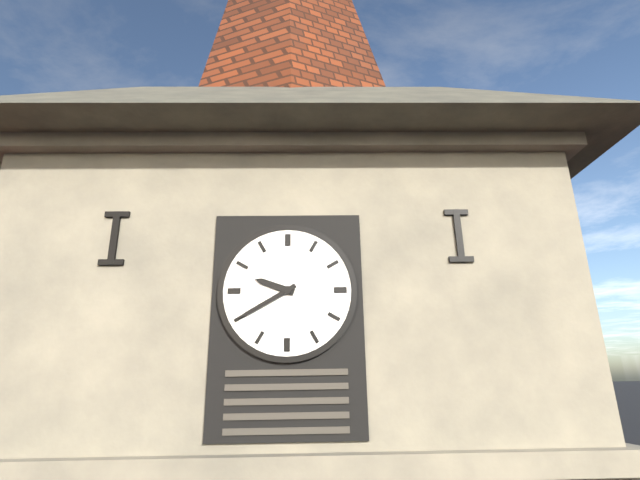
9,40
